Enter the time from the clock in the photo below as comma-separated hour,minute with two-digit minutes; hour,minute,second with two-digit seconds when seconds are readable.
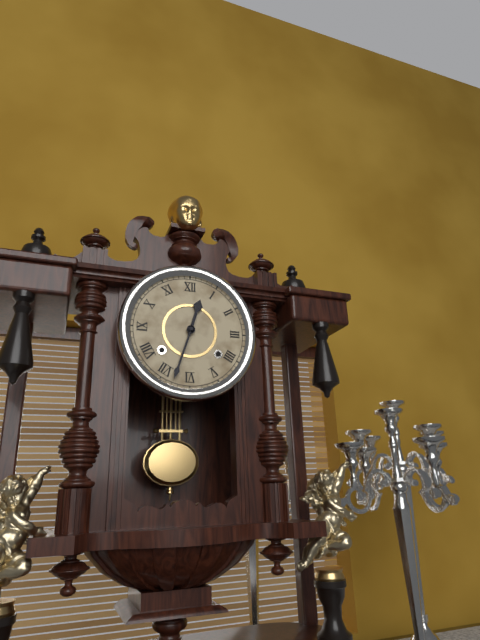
12,33
